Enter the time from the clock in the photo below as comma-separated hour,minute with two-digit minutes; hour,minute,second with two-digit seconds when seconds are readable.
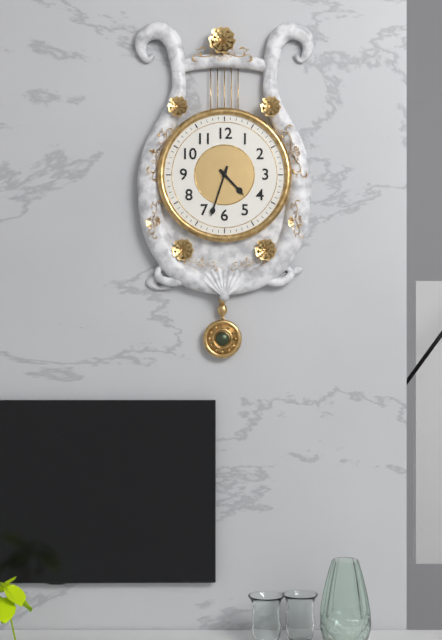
4,33
